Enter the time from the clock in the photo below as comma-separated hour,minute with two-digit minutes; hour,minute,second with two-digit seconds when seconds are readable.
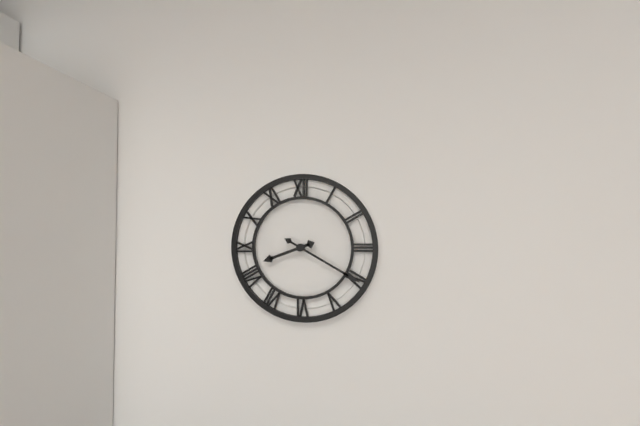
8,20
